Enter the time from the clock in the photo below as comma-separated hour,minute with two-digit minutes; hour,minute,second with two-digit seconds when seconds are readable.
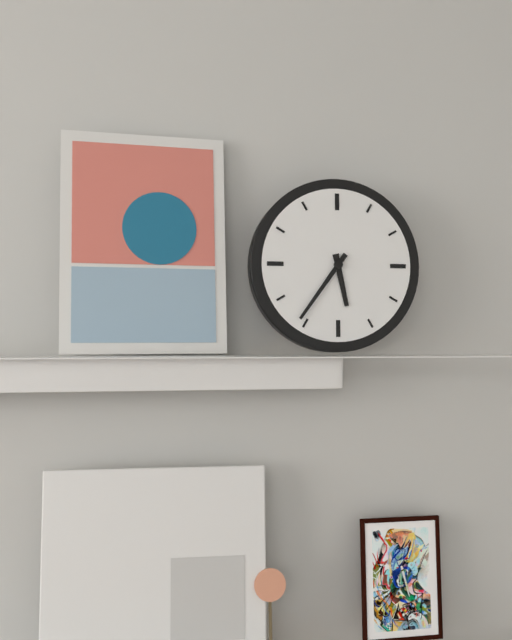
5,36
